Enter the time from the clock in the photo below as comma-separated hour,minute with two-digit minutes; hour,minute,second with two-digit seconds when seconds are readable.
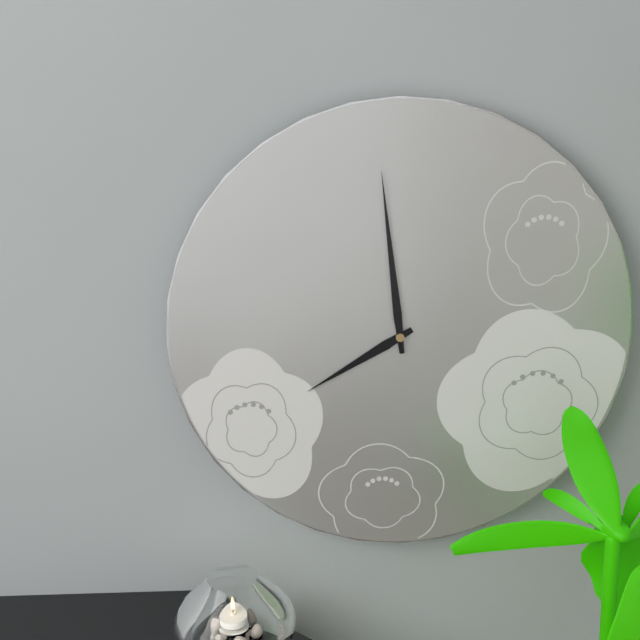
7,59
